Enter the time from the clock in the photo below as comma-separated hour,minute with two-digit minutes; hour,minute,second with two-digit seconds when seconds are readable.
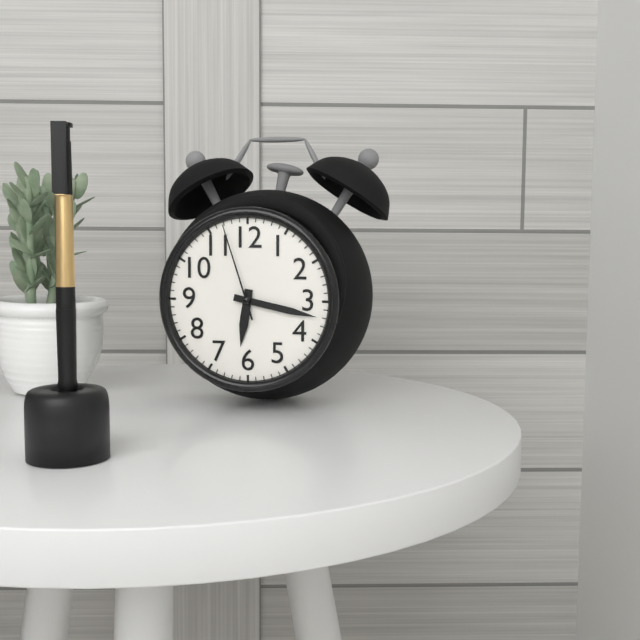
6,17,57
